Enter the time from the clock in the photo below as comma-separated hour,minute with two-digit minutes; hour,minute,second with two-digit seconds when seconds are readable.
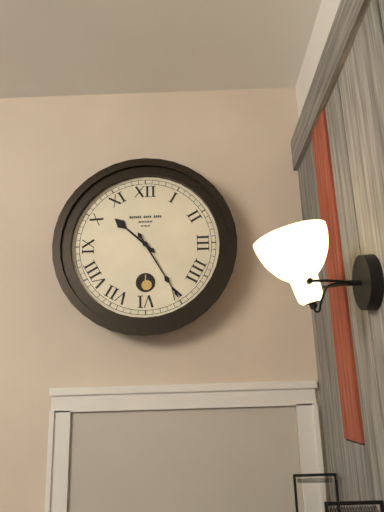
10,25
